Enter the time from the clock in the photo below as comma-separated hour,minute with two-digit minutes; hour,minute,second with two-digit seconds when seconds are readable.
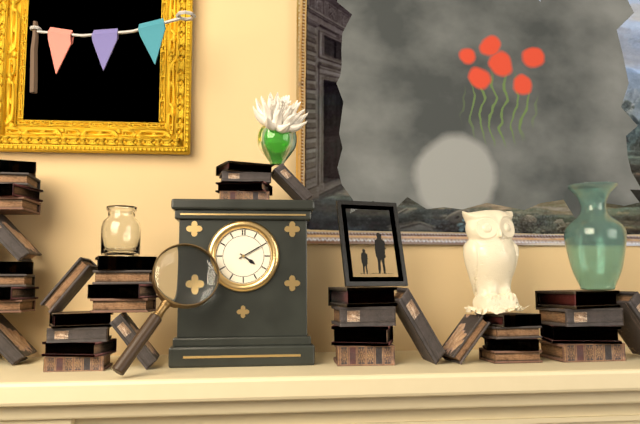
4,10
